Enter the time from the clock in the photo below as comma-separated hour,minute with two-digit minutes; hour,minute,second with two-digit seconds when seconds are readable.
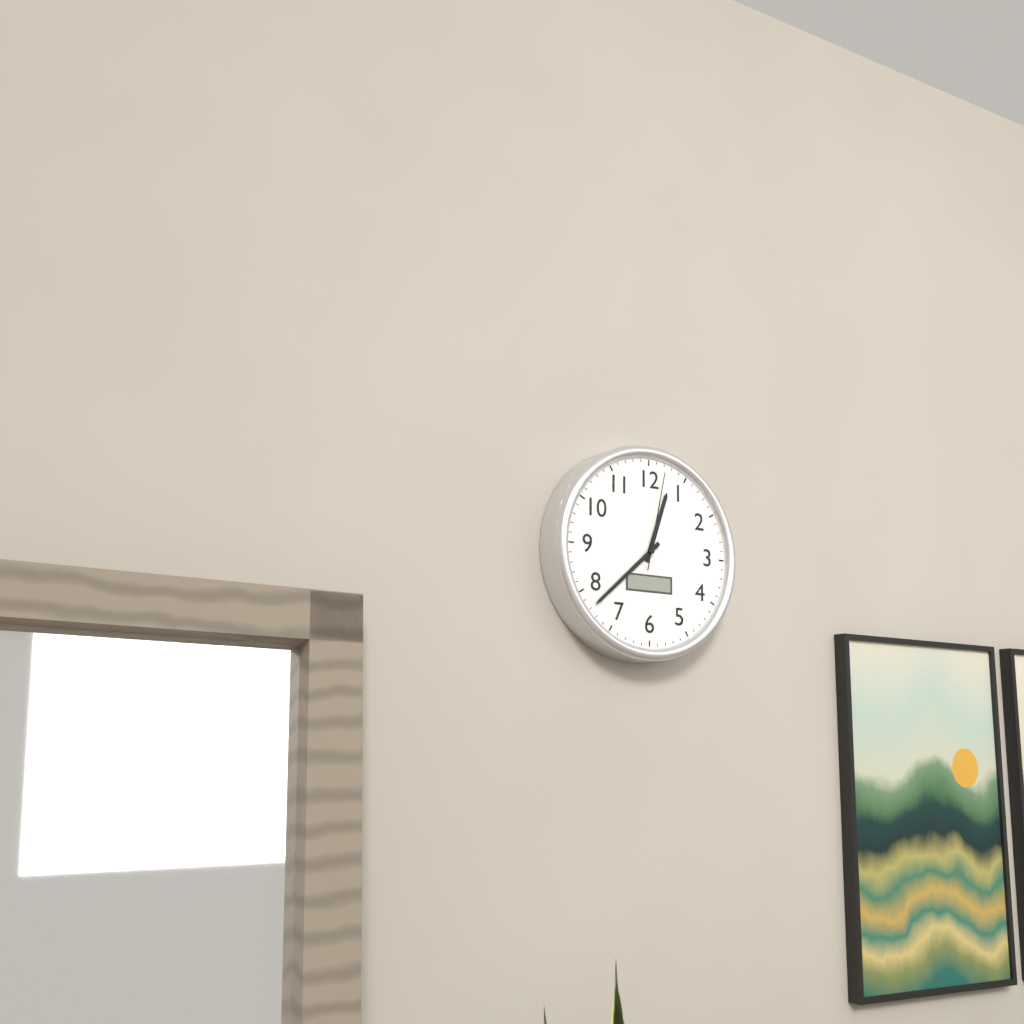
12,38,02
